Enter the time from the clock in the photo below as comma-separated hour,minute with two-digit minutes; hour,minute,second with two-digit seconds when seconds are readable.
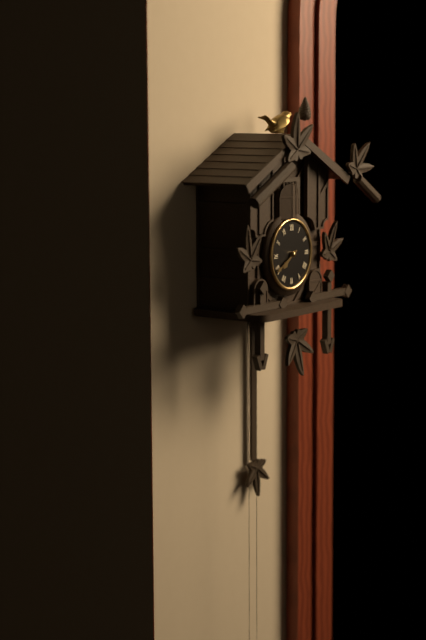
7,40
